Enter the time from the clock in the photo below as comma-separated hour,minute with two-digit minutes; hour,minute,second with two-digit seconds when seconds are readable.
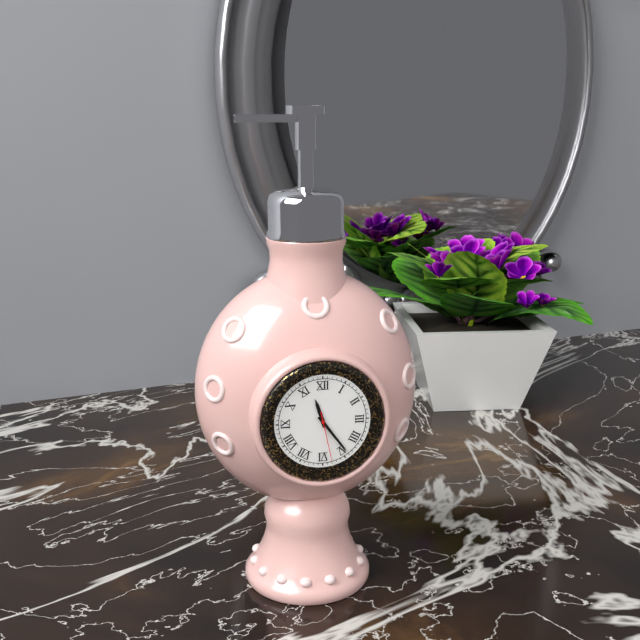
11,24,28
